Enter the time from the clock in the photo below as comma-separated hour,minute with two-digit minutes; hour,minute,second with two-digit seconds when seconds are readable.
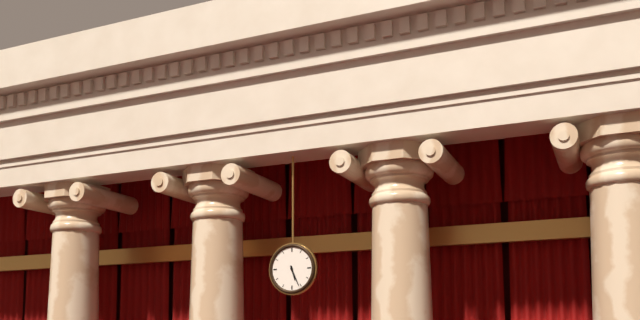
5,26
